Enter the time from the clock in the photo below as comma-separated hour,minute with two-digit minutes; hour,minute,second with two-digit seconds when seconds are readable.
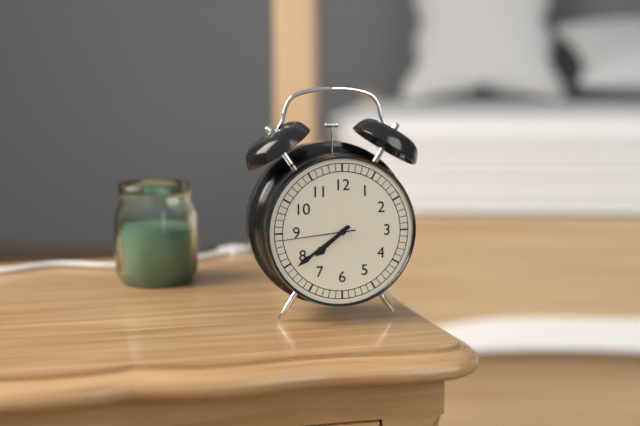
7,39,44
